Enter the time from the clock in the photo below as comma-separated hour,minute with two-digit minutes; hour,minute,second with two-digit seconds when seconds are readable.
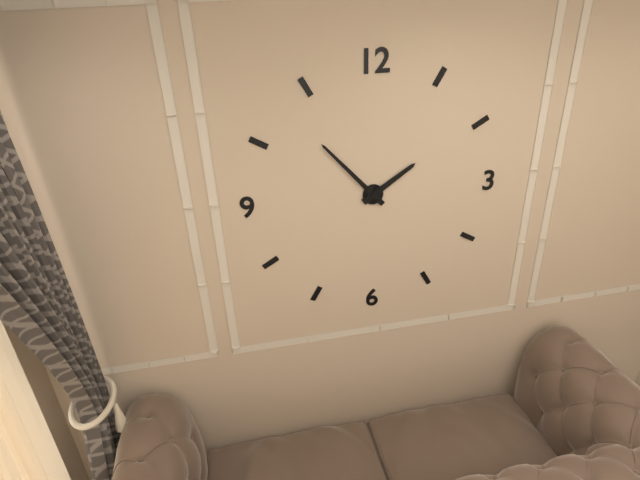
1,53
